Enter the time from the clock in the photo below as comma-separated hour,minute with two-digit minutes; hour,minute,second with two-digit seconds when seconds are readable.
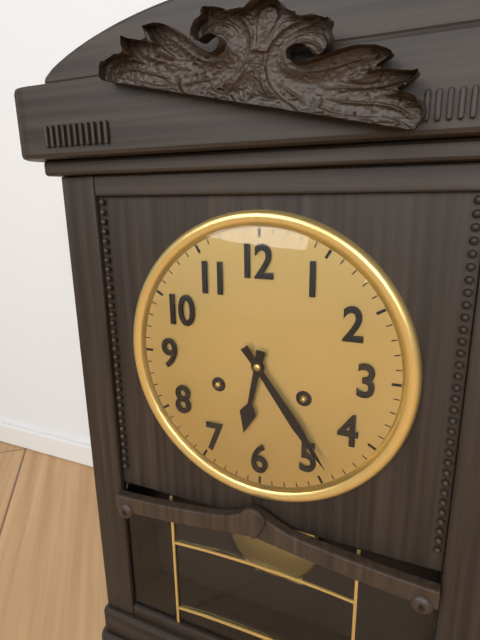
6,24
